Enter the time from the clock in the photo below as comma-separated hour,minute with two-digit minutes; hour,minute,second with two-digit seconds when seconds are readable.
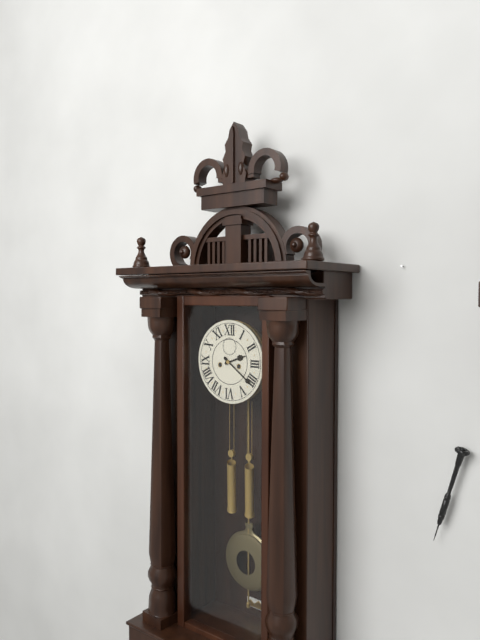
2,21
